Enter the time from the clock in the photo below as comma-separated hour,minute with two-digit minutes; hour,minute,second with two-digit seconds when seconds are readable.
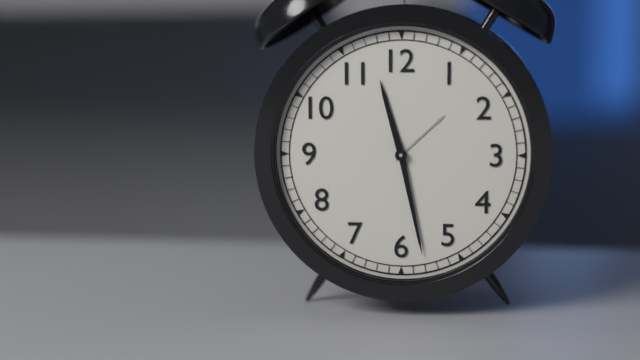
11,28
